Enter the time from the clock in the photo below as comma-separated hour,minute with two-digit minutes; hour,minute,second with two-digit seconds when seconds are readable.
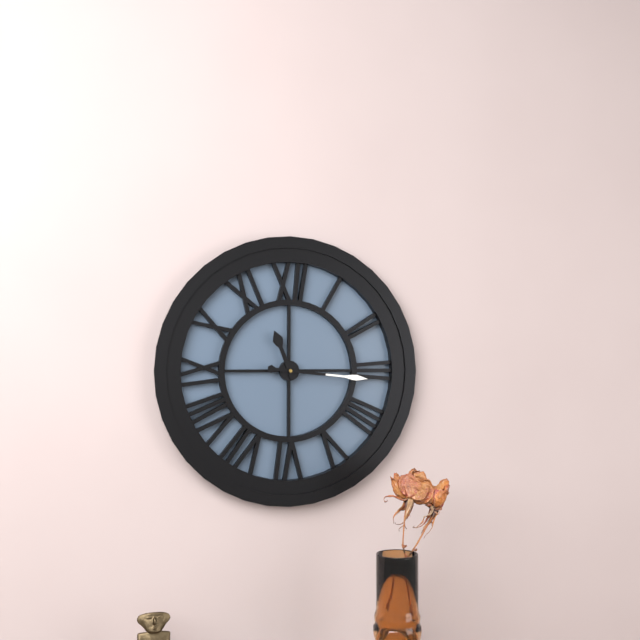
11,16
